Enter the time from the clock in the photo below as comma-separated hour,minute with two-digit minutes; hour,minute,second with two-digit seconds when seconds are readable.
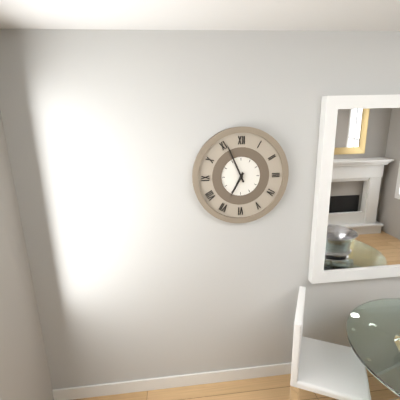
6,56
